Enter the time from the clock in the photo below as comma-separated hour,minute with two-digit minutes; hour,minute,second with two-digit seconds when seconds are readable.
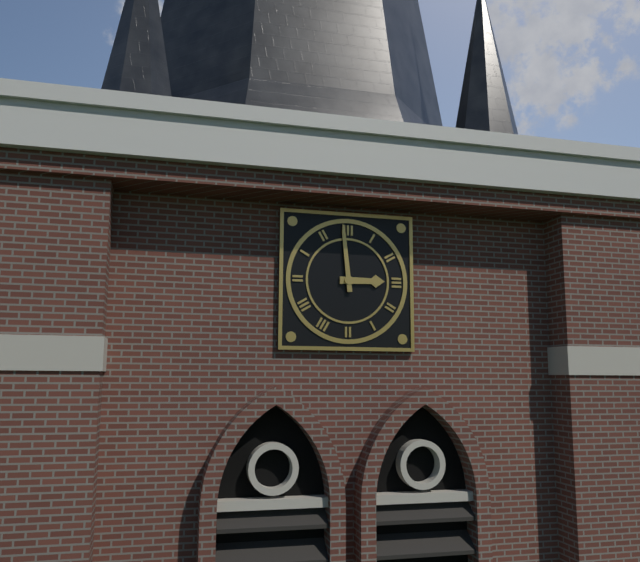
2,59
